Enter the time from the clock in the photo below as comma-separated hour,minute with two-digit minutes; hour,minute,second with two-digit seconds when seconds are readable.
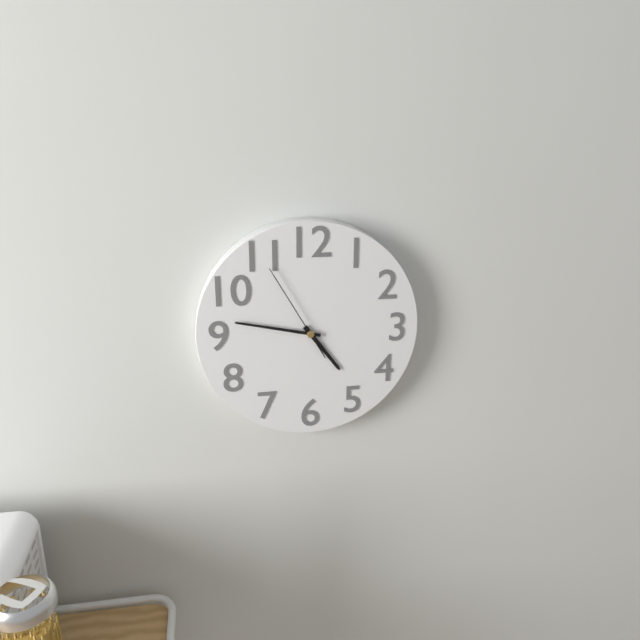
4,47,55
